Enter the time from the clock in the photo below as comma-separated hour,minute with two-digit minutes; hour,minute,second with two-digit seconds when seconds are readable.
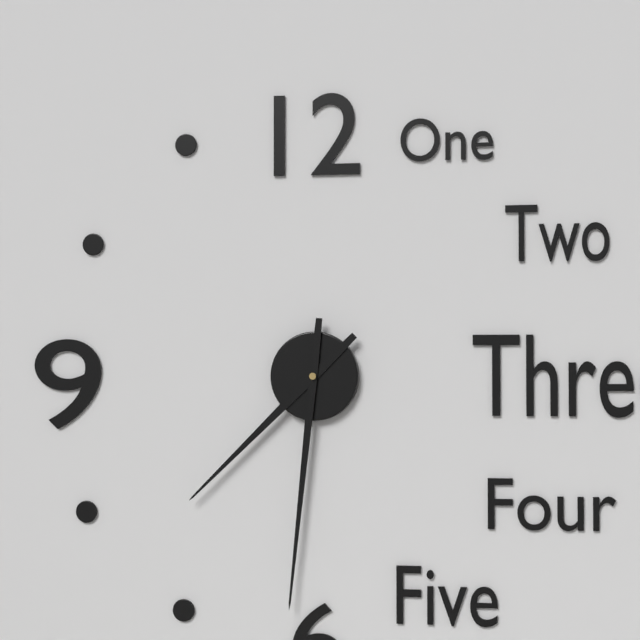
7,31
